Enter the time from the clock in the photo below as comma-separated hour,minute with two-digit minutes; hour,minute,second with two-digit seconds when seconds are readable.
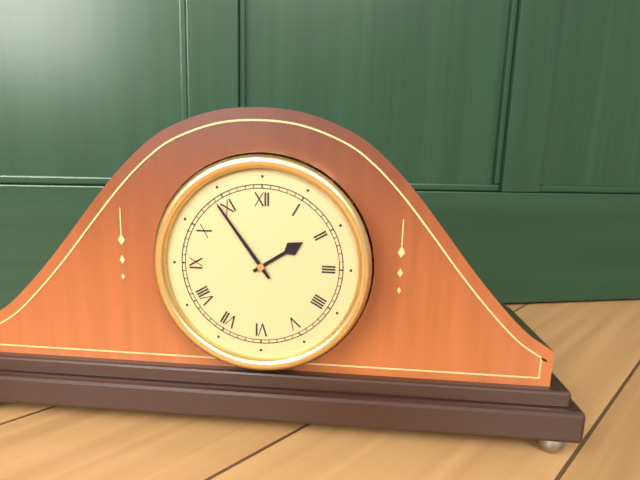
1,54
